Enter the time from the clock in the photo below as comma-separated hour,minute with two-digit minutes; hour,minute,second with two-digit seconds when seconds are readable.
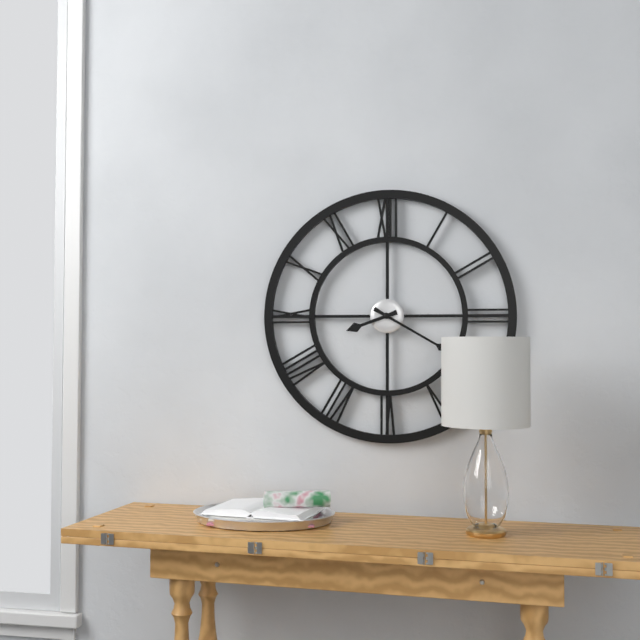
8,20
